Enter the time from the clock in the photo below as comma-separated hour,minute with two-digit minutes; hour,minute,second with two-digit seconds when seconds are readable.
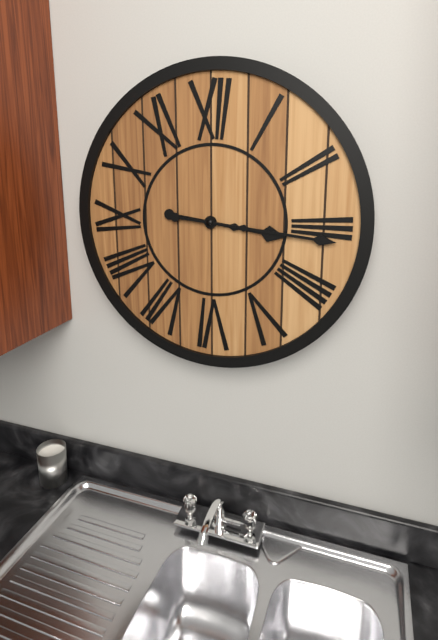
3,16
